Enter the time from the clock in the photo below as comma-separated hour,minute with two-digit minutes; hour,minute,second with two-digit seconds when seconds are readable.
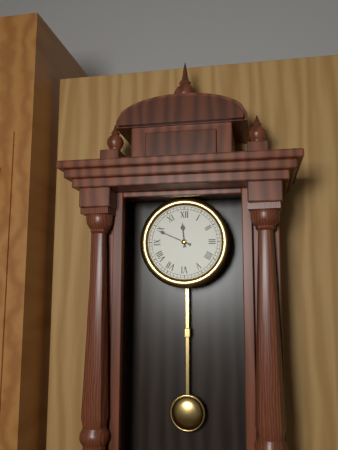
11,49
